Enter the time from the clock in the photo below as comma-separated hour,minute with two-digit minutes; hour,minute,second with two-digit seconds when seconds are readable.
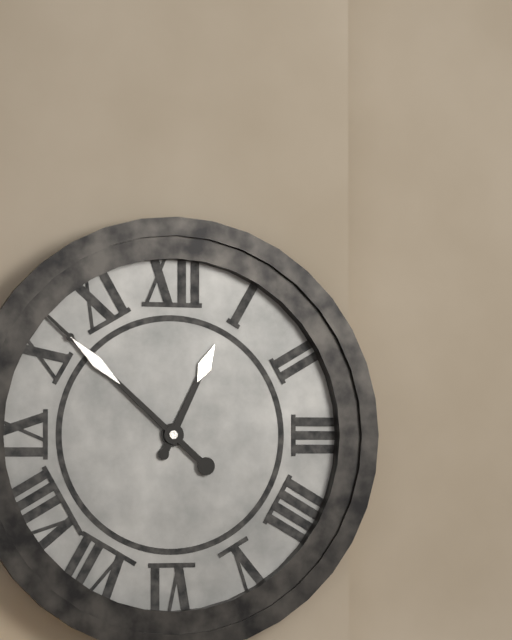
12,52
